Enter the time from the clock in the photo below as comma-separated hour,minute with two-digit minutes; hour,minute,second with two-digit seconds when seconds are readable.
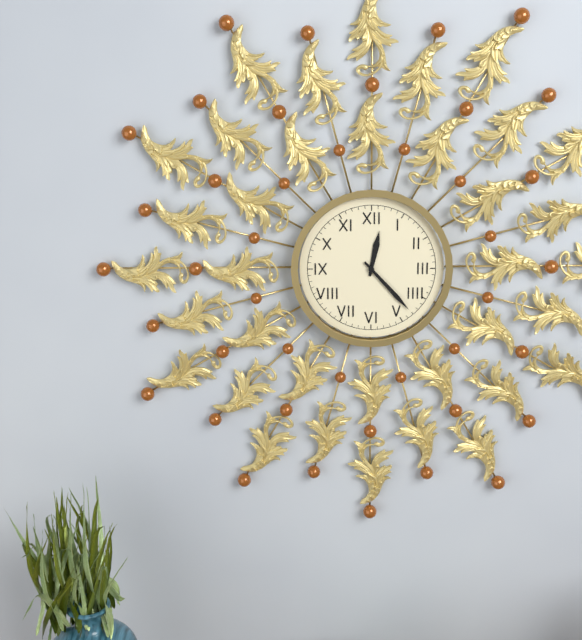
12,23
